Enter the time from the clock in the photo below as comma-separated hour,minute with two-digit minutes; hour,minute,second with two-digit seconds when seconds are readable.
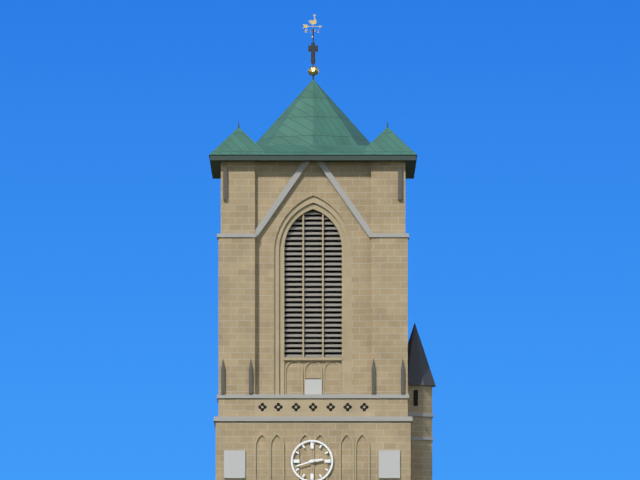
2,42
